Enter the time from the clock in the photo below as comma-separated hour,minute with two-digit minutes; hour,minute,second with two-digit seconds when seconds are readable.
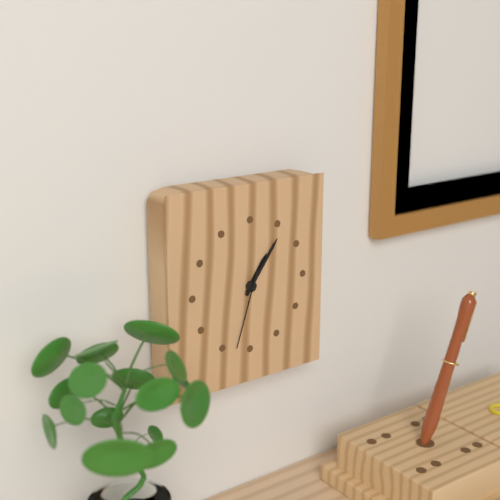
1,06,33
